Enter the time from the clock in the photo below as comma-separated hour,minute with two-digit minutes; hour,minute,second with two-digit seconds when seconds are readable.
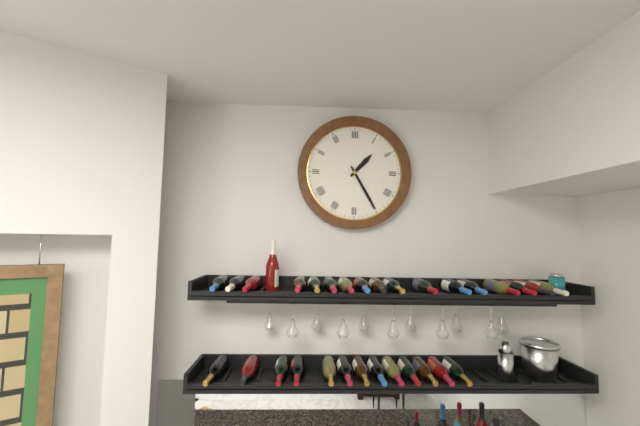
1,25
